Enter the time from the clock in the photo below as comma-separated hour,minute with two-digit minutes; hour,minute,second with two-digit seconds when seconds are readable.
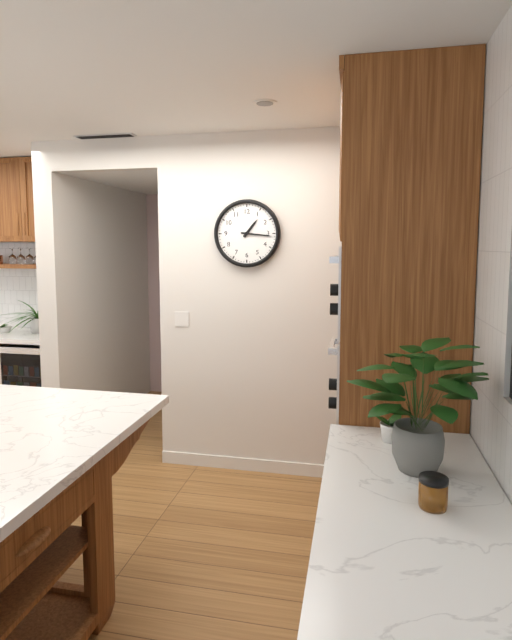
1,16
